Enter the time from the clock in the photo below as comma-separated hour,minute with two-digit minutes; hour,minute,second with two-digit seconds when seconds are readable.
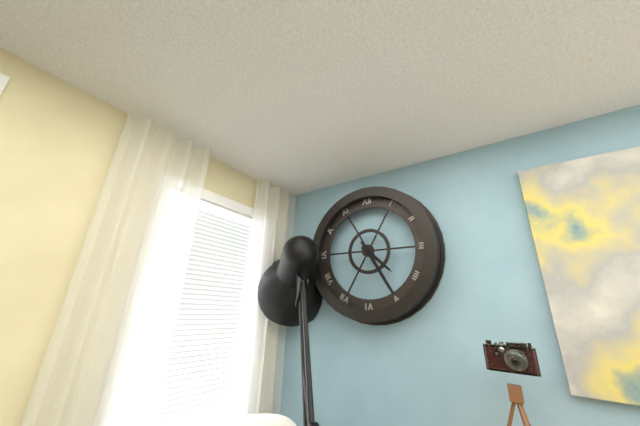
4,25
